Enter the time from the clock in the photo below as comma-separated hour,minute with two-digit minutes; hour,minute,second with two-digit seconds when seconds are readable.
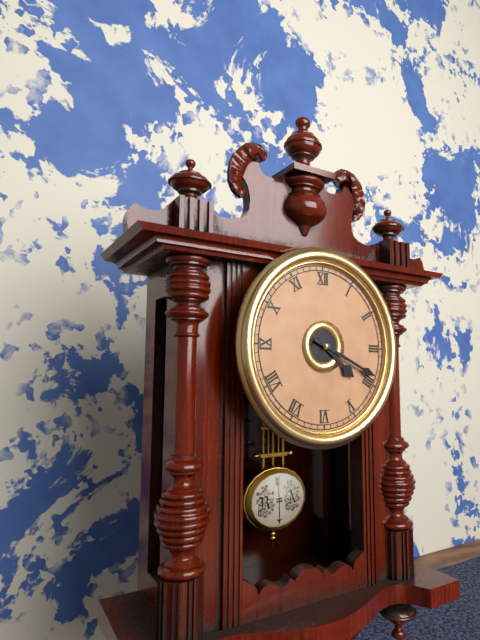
4,19
